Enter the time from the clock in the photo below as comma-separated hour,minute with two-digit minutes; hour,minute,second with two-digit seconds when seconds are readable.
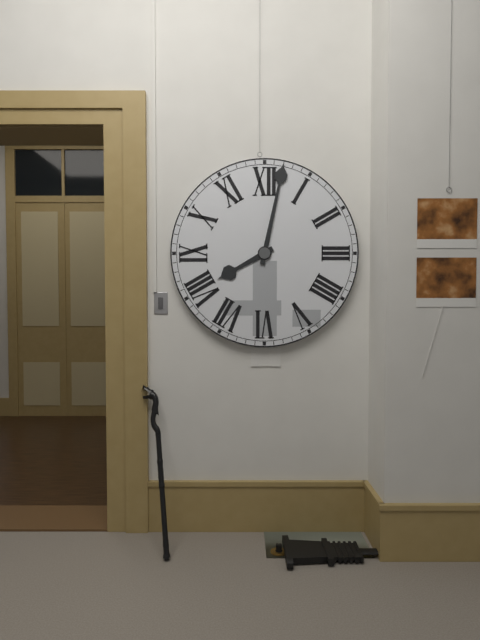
8,02
